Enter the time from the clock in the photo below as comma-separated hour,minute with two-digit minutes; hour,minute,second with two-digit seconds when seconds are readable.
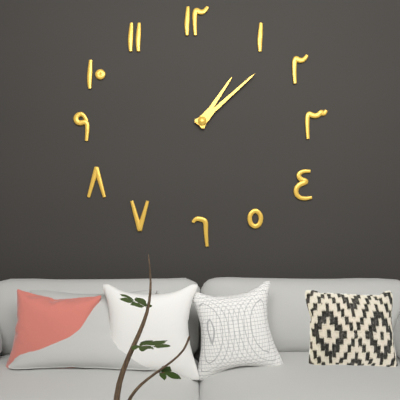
1,08
